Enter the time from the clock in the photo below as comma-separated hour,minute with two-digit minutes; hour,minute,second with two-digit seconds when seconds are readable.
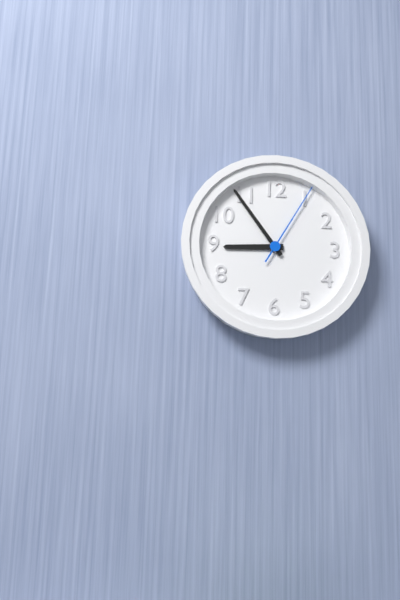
8,54,05
